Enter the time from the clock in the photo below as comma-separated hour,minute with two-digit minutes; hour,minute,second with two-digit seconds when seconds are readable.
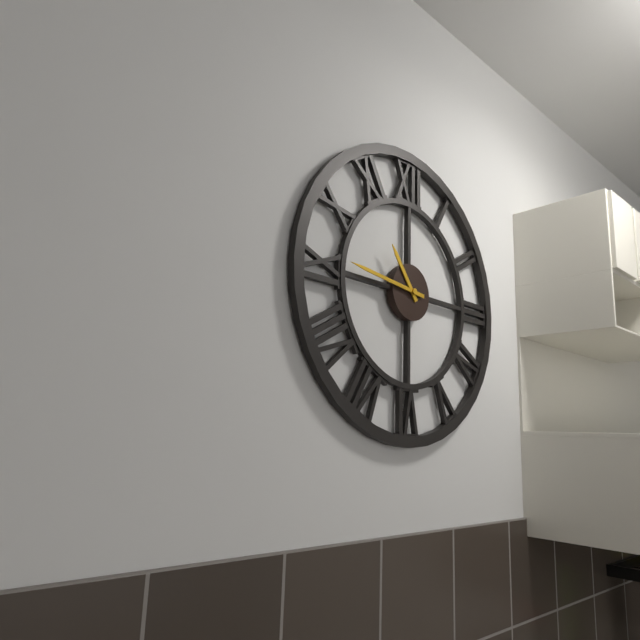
10,46
